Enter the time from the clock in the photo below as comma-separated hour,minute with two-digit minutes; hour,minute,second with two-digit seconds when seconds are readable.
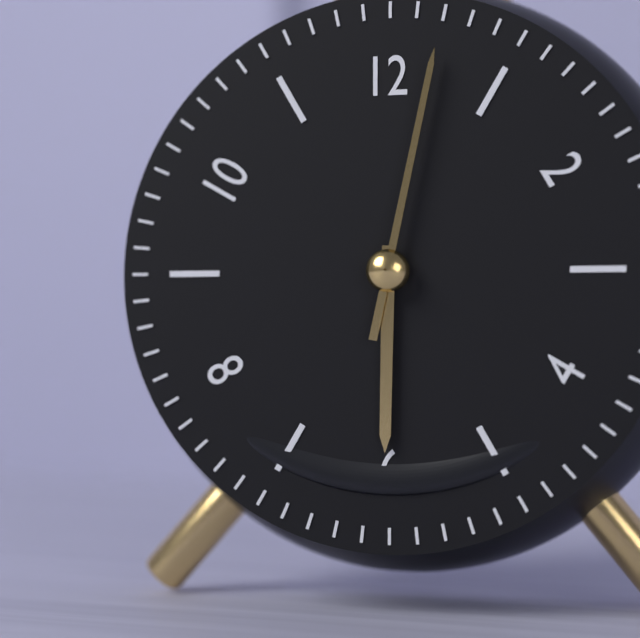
6,02
